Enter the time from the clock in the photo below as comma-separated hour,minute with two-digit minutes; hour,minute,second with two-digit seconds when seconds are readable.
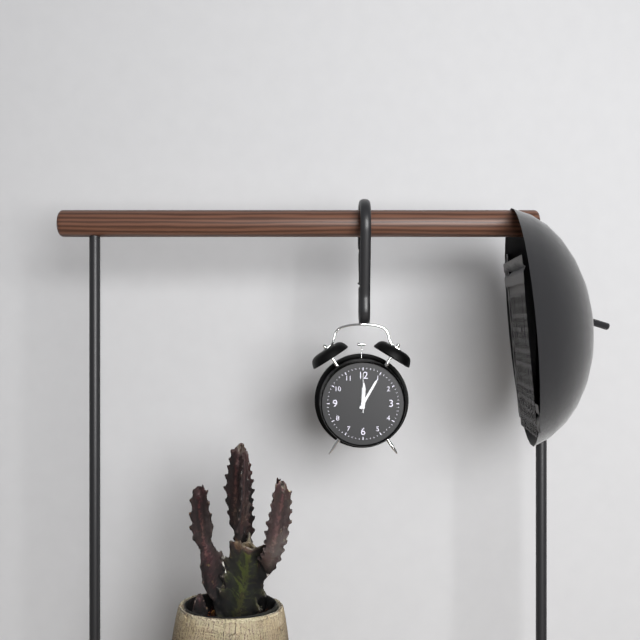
12,05
